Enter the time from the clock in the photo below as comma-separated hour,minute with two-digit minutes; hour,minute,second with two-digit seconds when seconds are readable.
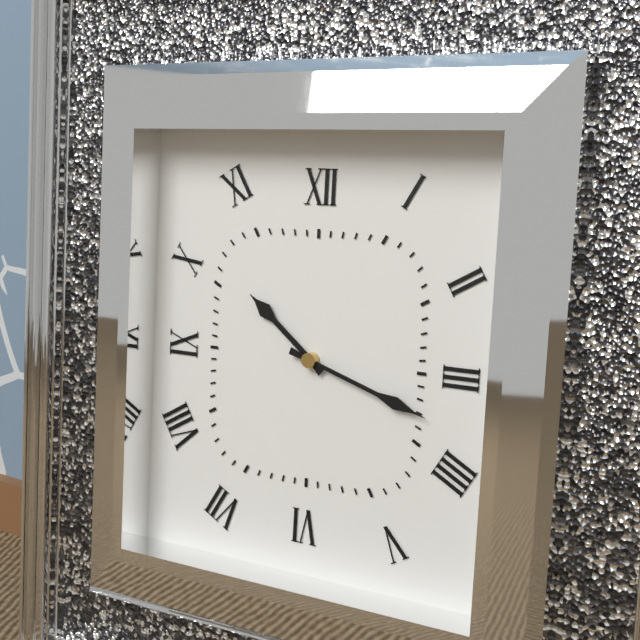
10,18
